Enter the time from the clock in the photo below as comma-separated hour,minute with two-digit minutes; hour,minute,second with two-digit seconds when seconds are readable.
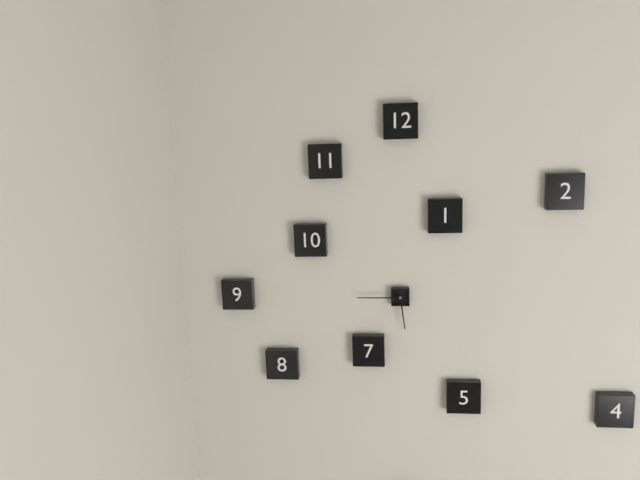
5,45
